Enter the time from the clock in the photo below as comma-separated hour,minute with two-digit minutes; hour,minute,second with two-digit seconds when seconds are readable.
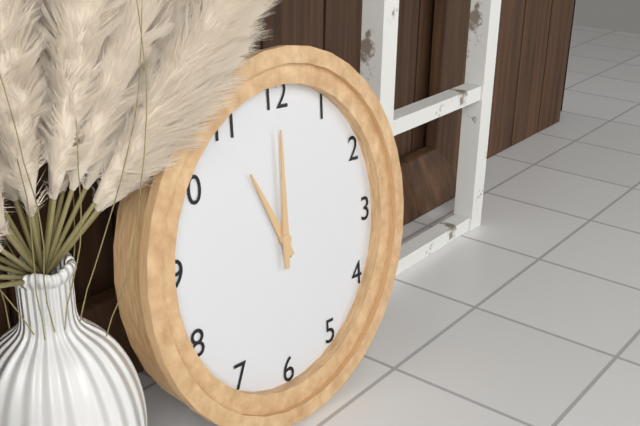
11,00
